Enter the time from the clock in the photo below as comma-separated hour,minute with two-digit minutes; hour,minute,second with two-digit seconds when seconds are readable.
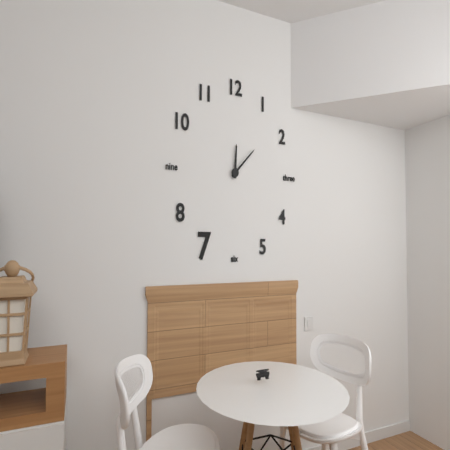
12,08
